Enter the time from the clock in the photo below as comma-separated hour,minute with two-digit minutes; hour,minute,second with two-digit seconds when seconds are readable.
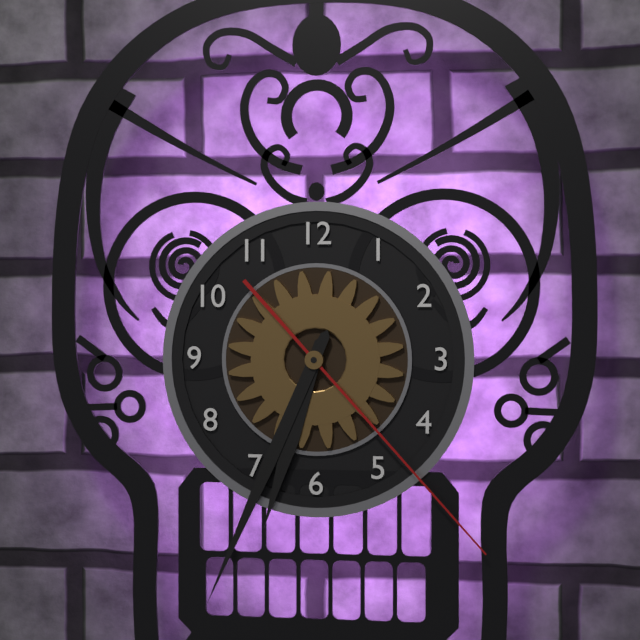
6,34,23
